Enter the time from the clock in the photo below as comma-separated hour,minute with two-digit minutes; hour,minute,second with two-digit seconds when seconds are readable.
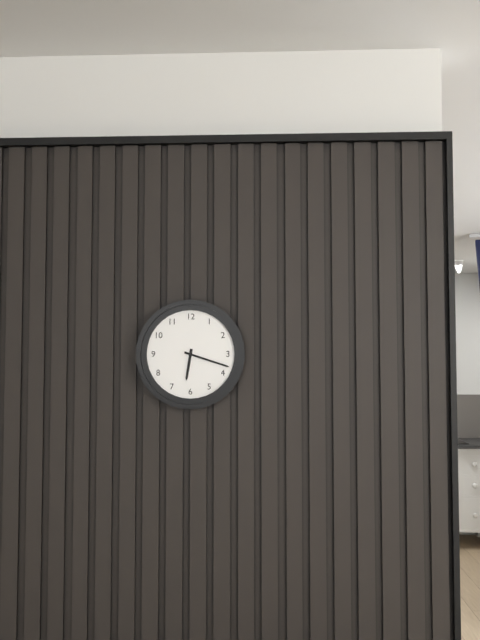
6,18
